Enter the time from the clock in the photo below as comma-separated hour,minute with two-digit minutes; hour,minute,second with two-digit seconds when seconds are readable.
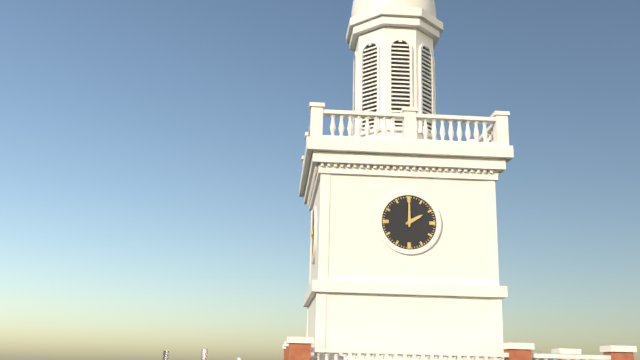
2,00
